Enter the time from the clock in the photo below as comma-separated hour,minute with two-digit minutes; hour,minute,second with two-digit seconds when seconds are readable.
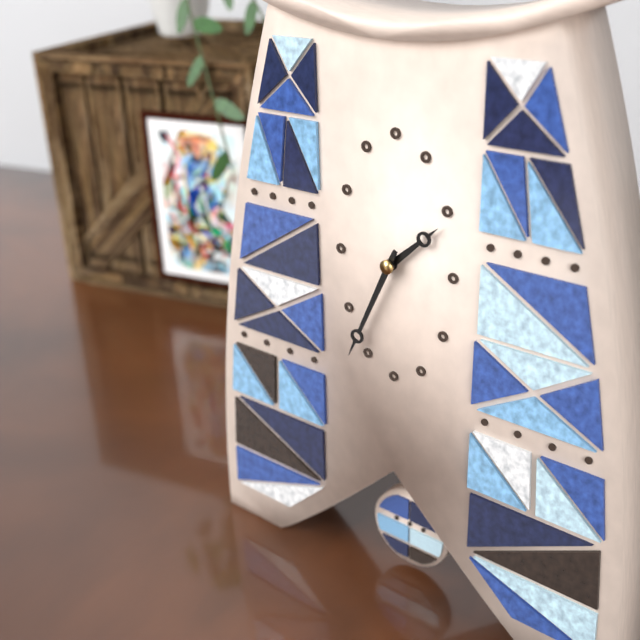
1,34
